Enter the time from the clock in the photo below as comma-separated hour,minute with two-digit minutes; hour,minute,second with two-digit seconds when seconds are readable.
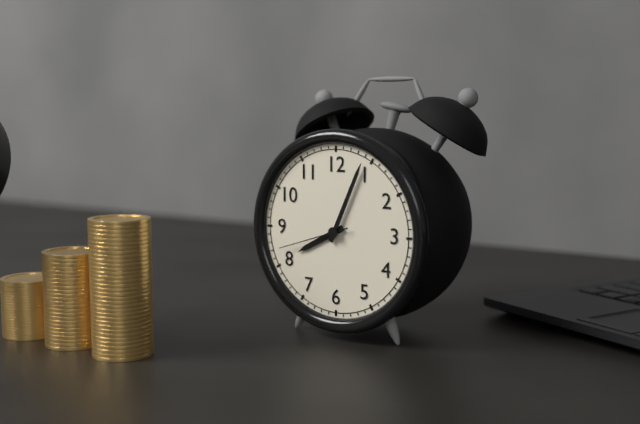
8,04,42
